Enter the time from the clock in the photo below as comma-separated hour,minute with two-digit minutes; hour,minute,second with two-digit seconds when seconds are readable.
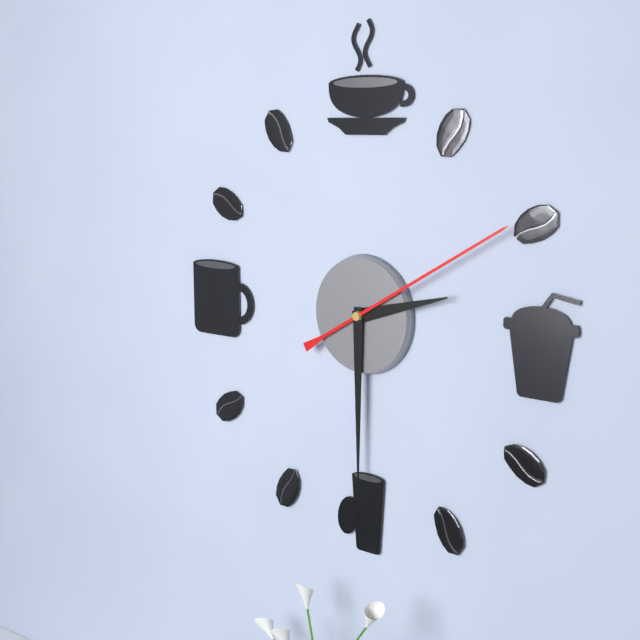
2,30,10
